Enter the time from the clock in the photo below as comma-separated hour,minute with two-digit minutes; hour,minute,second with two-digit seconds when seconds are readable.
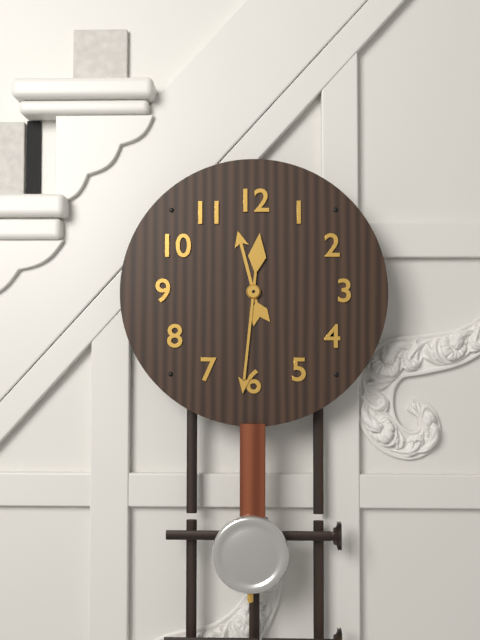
11,31
